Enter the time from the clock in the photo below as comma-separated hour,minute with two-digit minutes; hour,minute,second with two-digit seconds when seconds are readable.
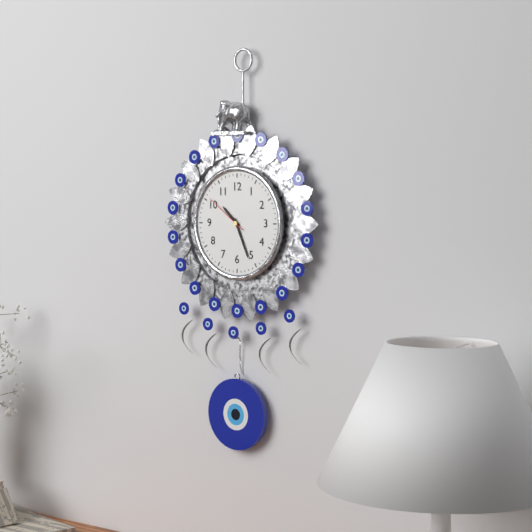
10,26
